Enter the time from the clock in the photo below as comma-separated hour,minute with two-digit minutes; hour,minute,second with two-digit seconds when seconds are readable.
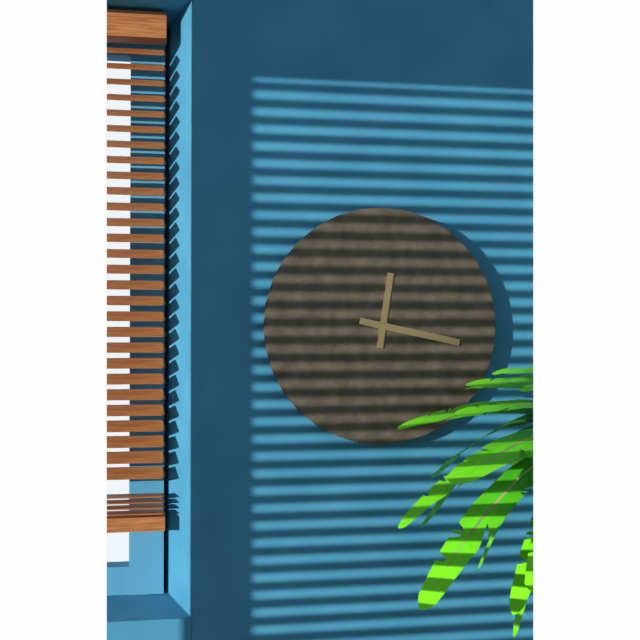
12,17
